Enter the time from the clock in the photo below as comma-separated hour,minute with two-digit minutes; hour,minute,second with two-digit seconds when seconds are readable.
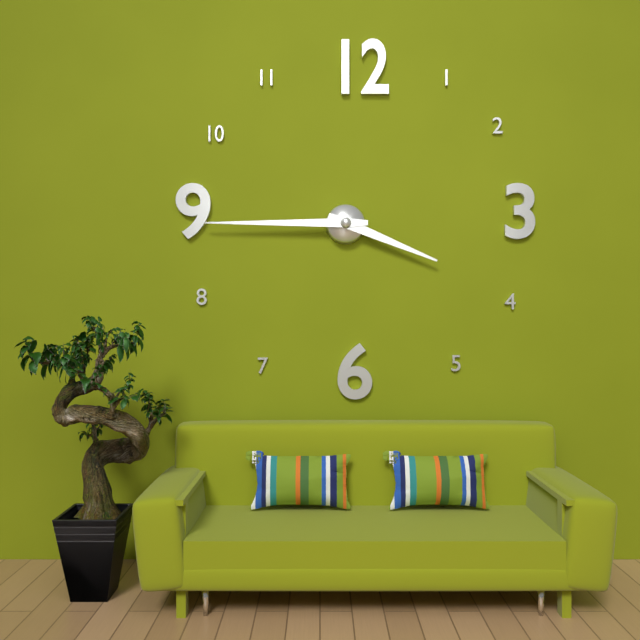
3,45
